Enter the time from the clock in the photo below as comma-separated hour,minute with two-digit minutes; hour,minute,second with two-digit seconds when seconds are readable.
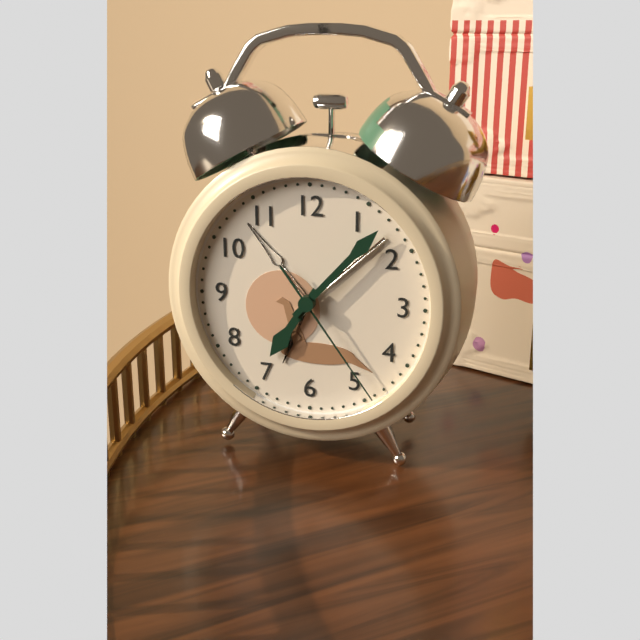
7,07,24
